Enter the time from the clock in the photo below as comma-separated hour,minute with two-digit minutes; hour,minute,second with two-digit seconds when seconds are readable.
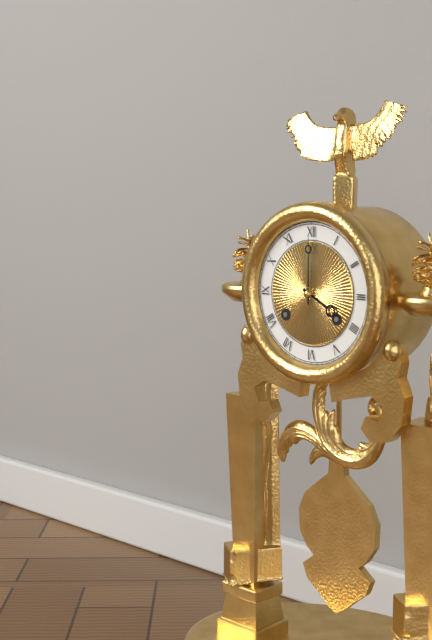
4,00
